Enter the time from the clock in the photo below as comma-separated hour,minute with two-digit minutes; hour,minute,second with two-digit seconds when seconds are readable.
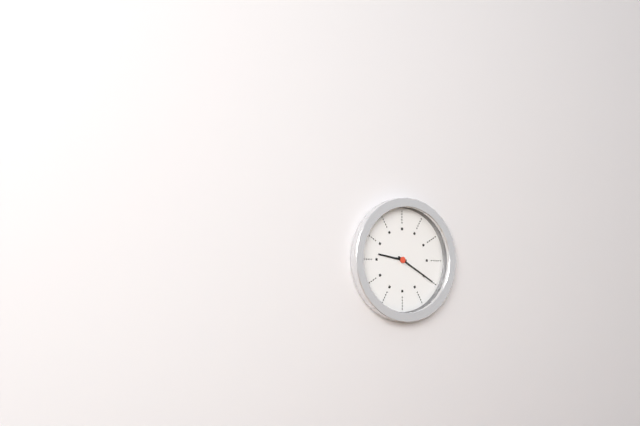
9,20
